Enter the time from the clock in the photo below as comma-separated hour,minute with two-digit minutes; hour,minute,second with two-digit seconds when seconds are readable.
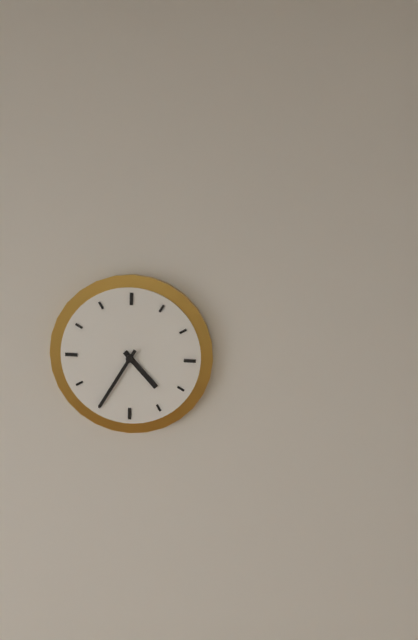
4,35
